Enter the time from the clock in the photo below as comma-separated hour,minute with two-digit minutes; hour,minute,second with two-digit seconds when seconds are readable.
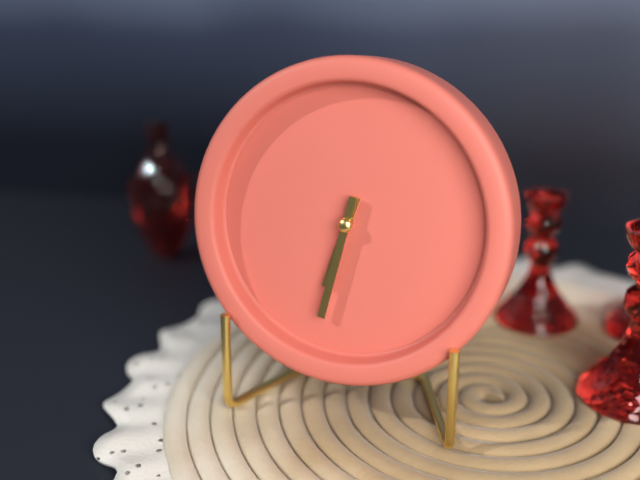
6,32
